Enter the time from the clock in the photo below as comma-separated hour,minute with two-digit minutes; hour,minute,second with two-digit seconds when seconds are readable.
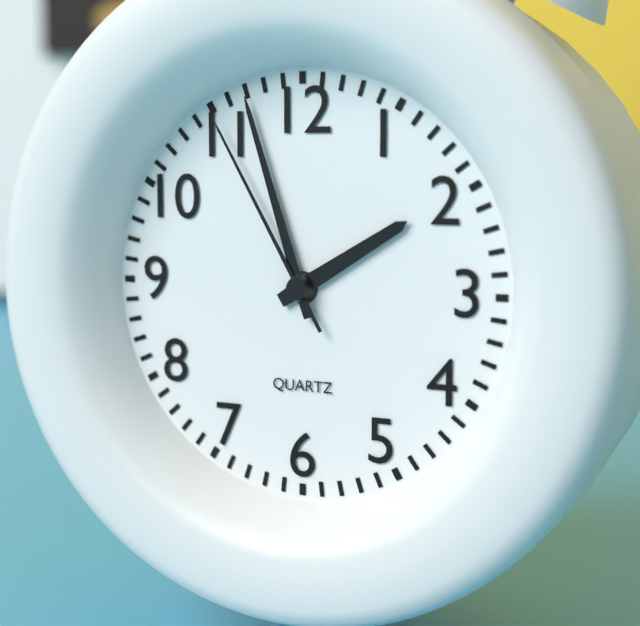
1,57,55
